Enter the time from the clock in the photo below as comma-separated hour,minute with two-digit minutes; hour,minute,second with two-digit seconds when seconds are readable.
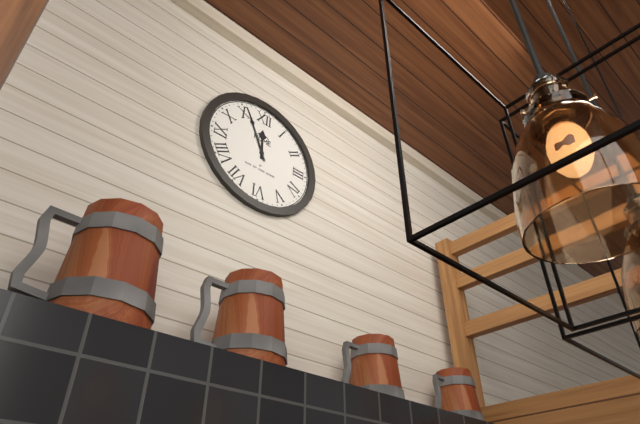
11,56
